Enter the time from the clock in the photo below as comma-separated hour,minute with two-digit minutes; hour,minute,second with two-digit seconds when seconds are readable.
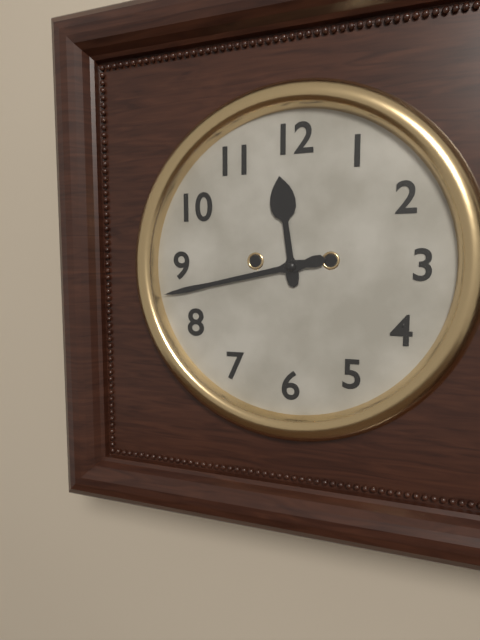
11,43
